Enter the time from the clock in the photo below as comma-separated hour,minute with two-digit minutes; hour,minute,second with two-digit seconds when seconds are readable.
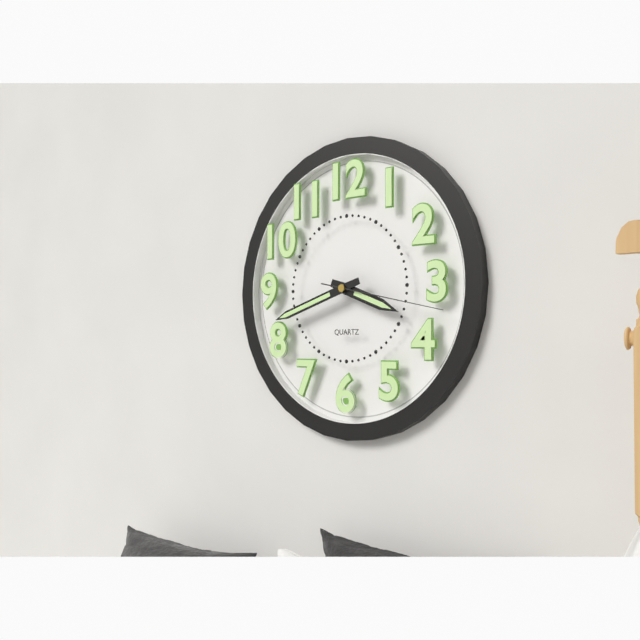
3,42,17
